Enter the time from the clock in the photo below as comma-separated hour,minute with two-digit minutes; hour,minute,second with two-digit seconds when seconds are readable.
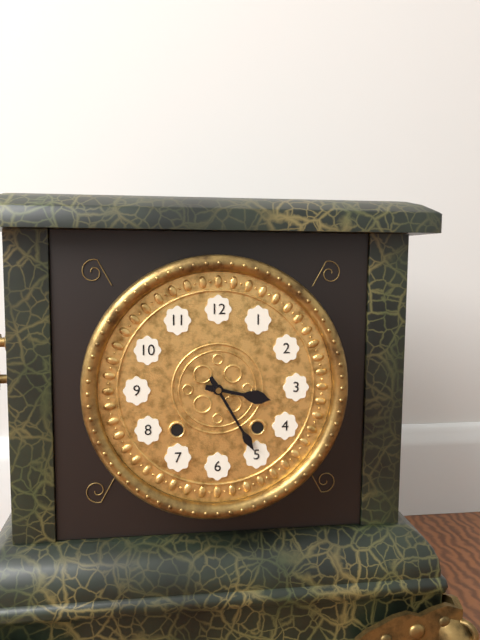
3,25
